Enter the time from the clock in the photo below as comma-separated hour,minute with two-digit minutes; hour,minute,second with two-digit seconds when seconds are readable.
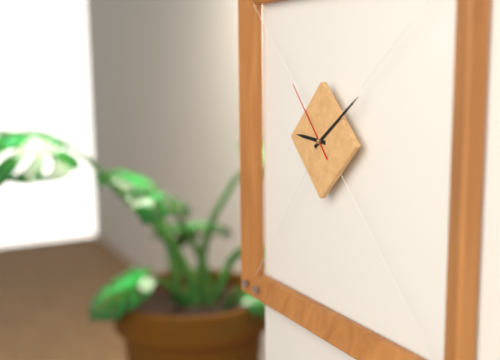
9,09,53
